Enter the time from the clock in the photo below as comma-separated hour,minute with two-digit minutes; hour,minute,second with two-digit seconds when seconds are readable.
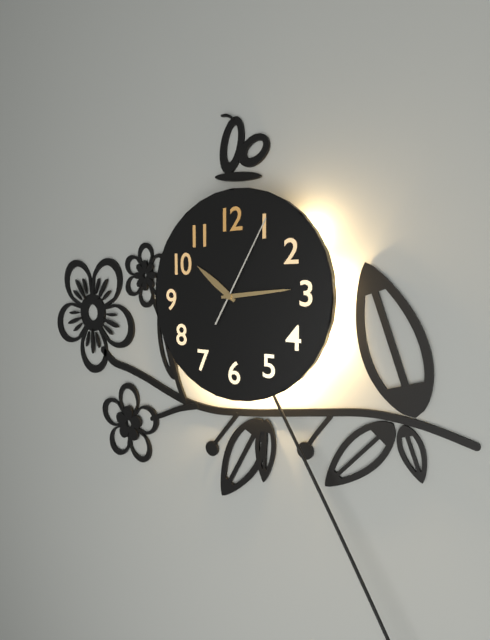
10,14,05
